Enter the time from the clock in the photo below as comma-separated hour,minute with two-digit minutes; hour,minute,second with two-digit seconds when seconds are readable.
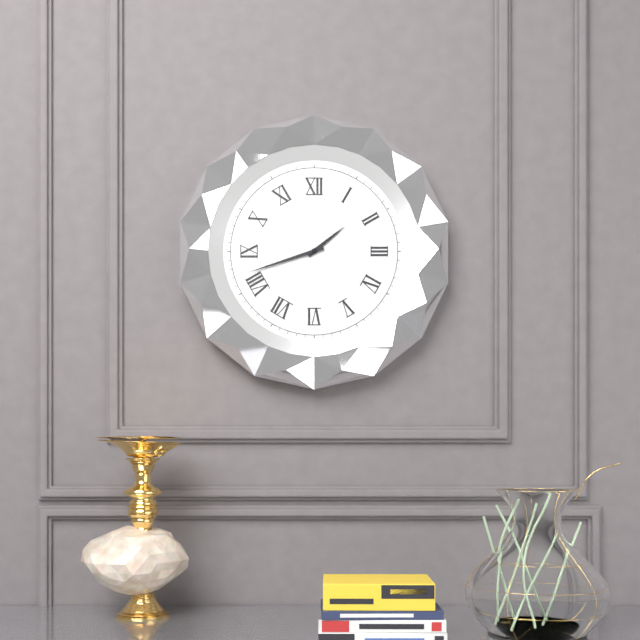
1,42
